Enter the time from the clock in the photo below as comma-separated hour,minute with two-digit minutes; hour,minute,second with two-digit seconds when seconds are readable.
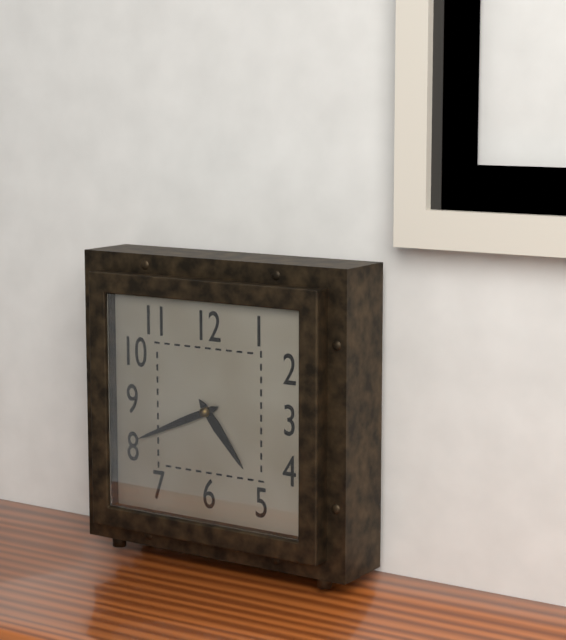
4,41
